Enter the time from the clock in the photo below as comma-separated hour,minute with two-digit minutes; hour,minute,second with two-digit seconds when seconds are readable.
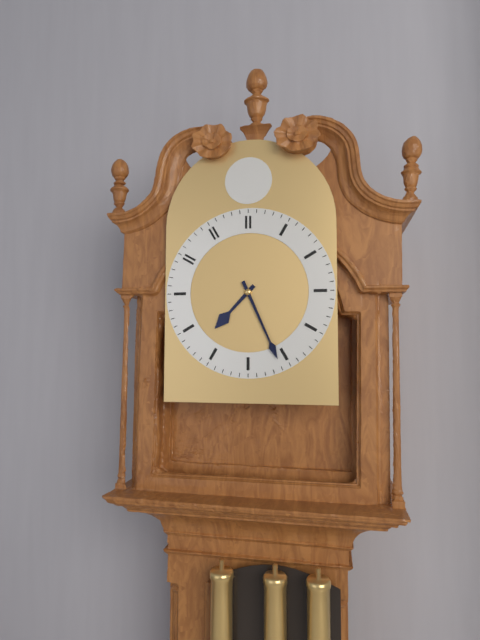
7,26
